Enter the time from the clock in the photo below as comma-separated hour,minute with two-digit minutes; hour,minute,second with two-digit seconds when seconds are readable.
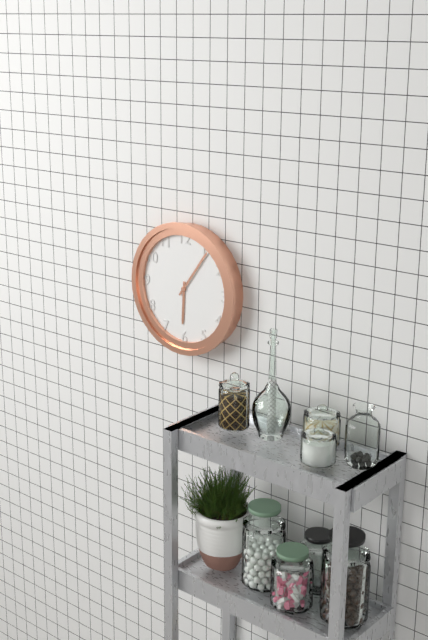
6,06
